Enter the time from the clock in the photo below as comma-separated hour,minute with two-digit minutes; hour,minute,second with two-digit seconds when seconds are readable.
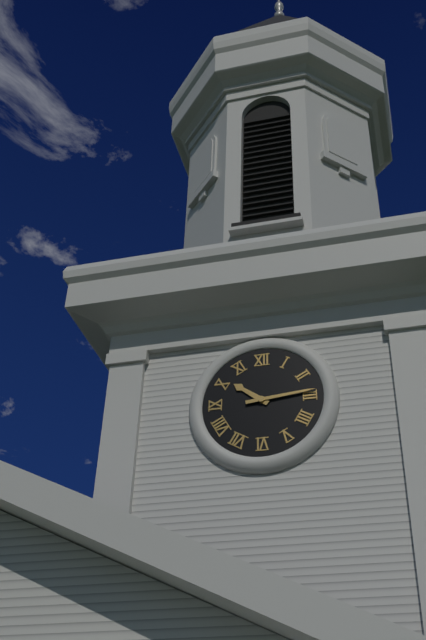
10,14
